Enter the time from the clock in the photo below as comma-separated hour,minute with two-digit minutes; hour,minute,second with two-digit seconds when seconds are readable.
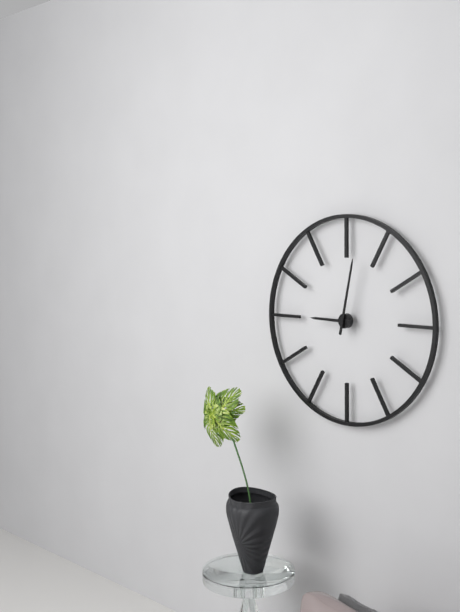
9,02
